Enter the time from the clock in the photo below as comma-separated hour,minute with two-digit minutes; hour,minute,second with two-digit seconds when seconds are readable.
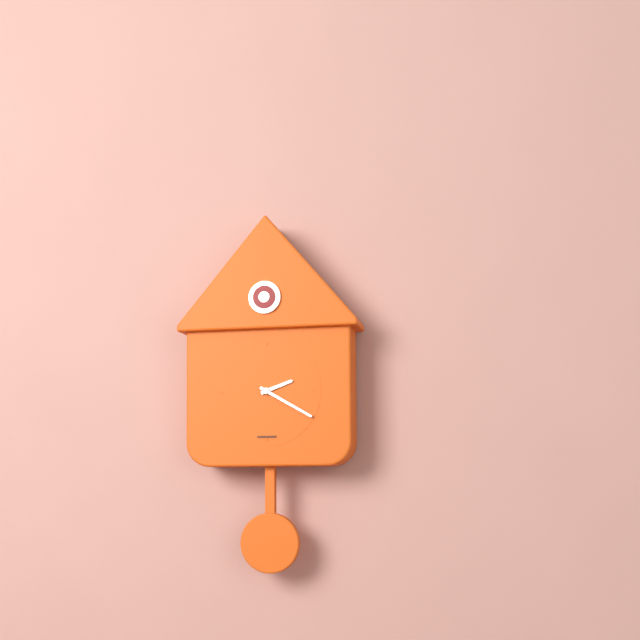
2,20
